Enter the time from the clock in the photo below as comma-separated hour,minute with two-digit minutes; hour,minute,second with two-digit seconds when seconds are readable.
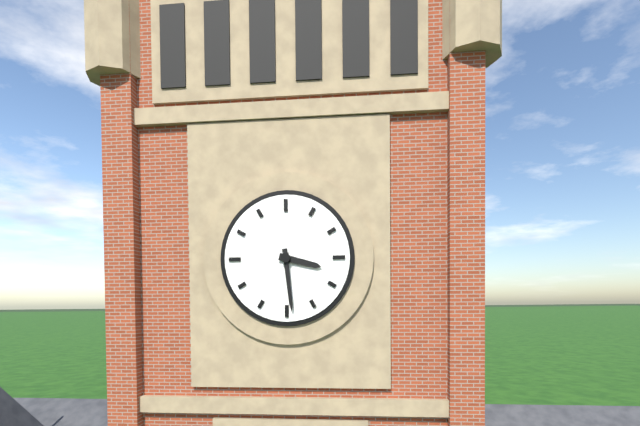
3,29
